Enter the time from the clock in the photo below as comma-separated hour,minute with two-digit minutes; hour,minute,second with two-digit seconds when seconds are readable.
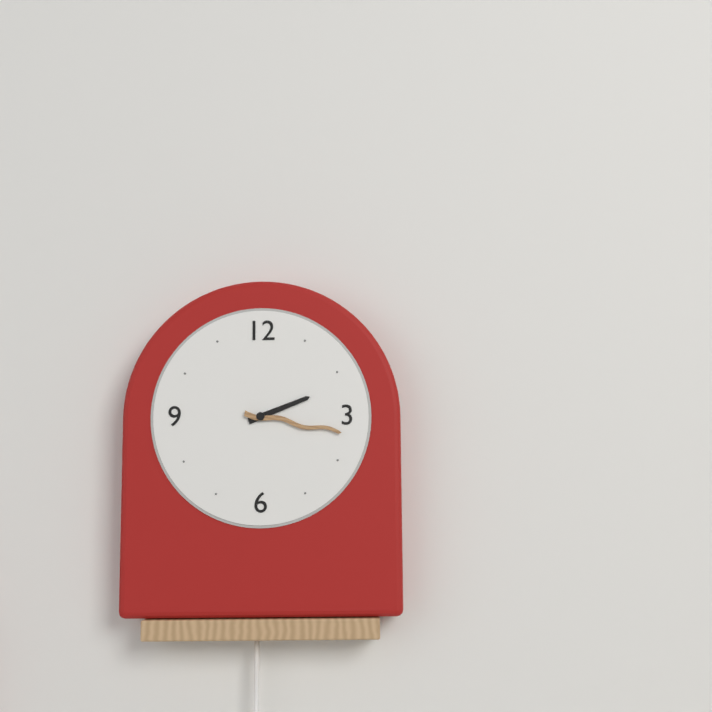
2,17
